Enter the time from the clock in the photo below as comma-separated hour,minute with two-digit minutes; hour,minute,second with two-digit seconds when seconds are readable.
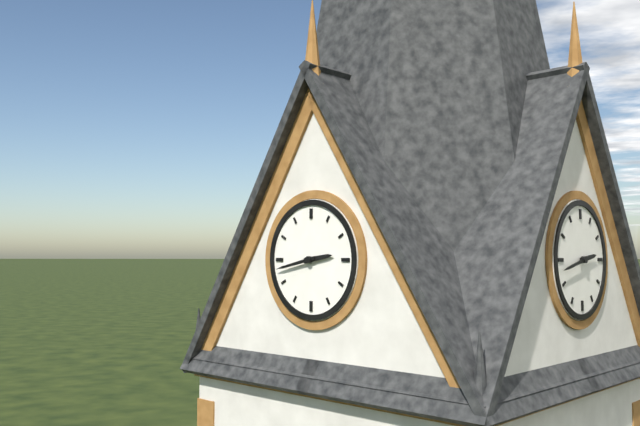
2,43
